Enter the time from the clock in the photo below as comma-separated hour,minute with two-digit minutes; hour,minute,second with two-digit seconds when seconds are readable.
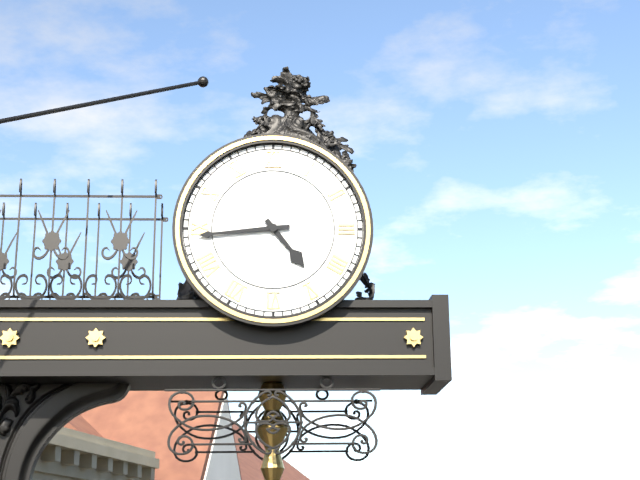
4,44
